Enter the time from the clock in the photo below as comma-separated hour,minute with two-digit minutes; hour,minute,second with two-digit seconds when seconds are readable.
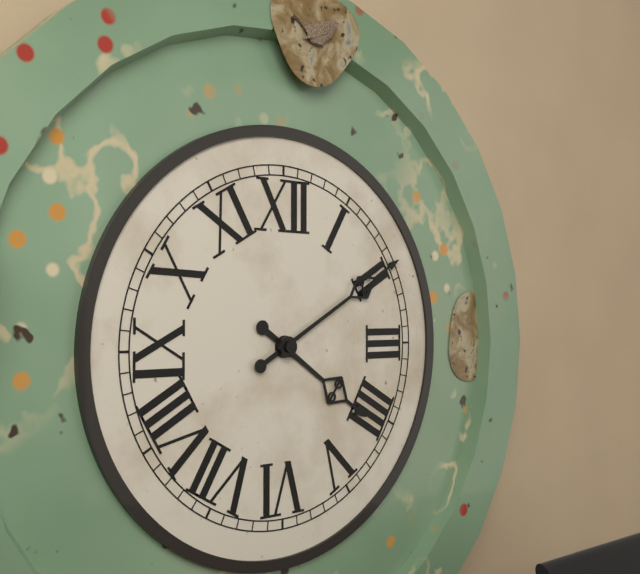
4,10
